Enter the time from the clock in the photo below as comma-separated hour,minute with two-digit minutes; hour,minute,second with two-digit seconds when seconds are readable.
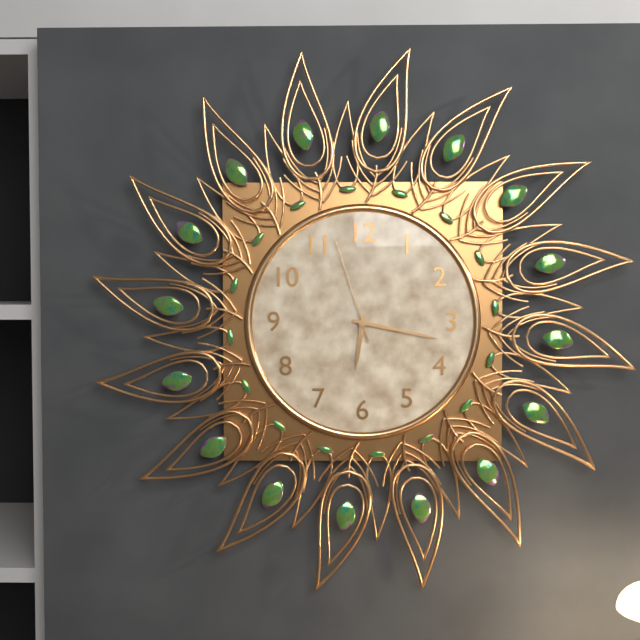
6,17,57
